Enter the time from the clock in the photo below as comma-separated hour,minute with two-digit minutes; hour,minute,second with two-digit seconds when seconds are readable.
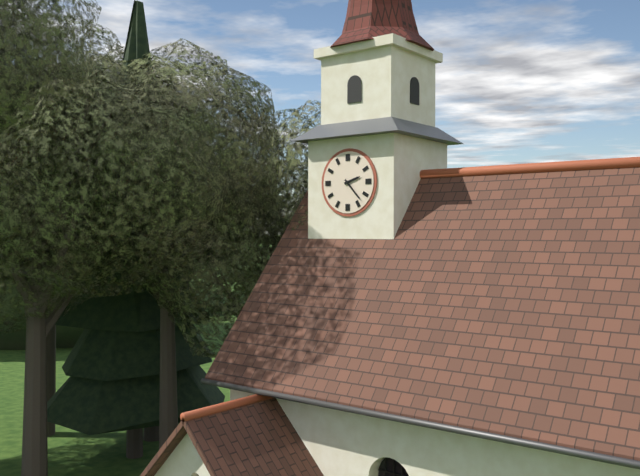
2,23
